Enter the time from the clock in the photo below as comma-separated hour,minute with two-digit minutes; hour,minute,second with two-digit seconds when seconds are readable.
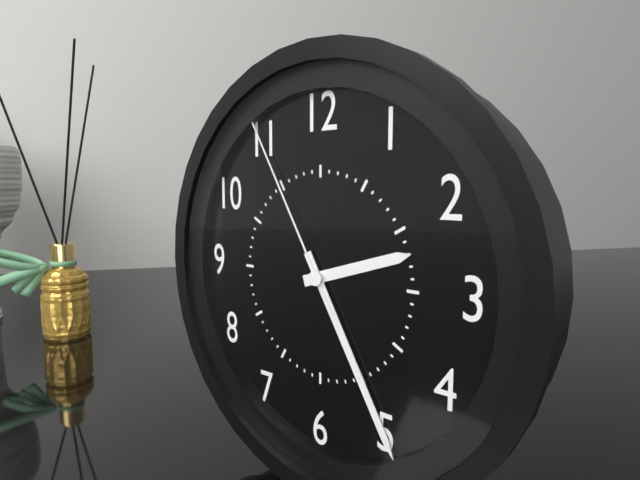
2,25,55
